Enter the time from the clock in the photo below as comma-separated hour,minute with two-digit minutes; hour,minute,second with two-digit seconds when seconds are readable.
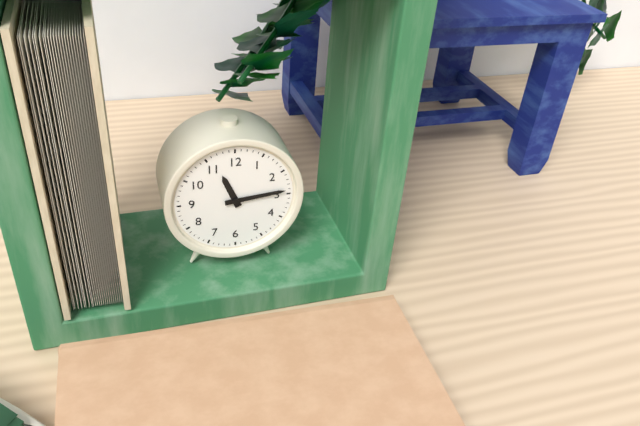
11,14
